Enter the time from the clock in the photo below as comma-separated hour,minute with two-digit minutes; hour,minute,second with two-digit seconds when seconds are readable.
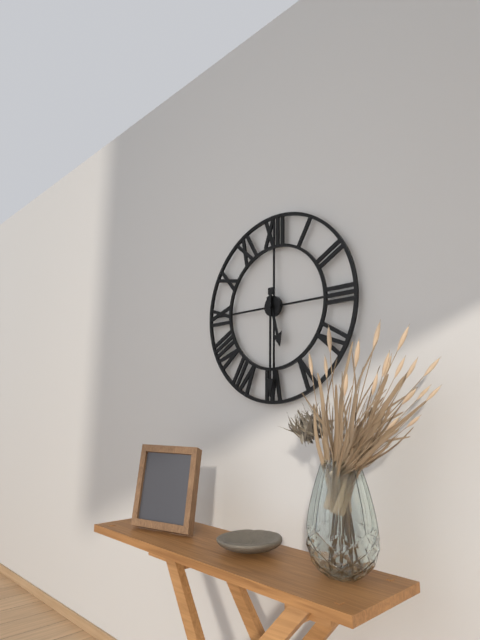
5,30
